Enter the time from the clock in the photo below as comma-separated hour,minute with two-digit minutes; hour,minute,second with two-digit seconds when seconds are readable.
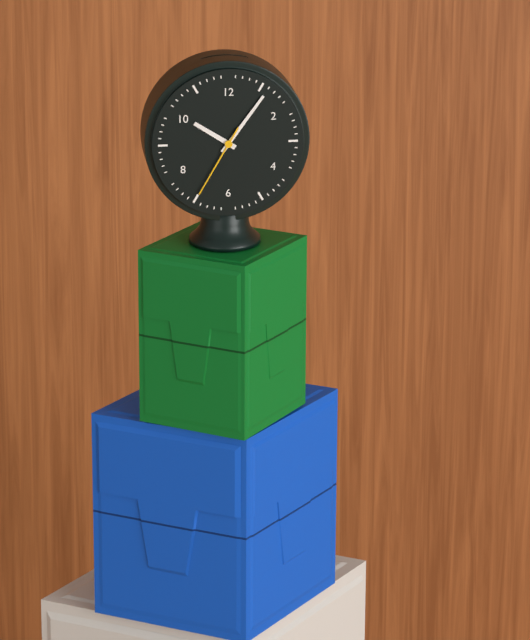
10,06,35
